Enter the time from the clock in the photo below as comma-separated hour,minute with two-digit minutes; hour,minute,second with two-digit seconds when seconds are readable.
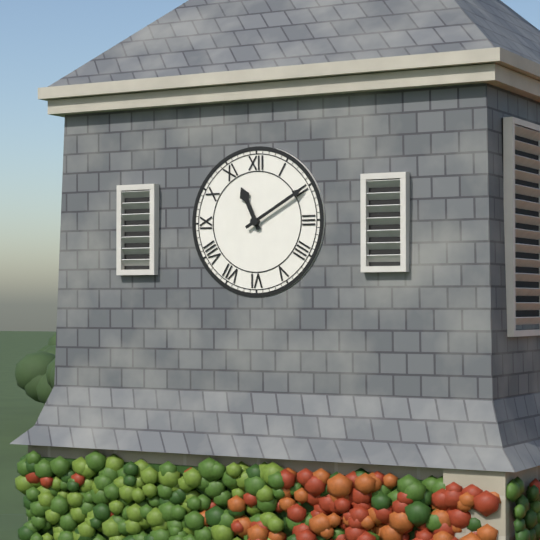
11,10
